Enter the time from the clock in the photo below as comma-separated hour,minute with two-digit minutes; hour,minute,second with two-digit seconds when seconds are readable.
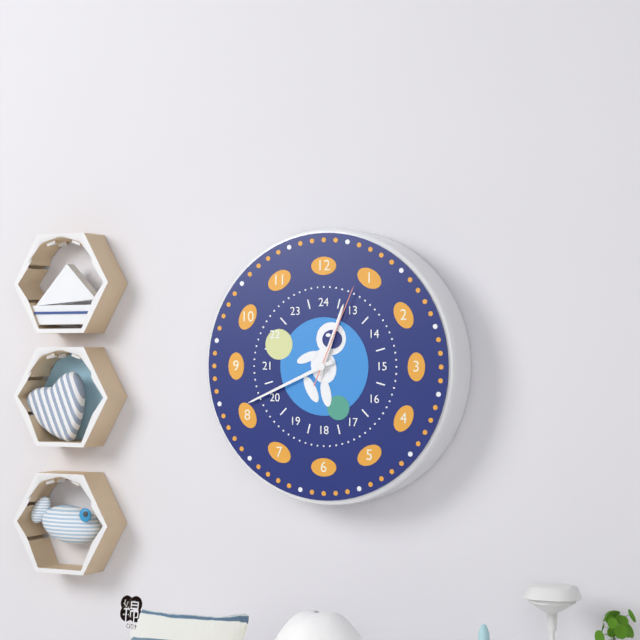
12,41,04
